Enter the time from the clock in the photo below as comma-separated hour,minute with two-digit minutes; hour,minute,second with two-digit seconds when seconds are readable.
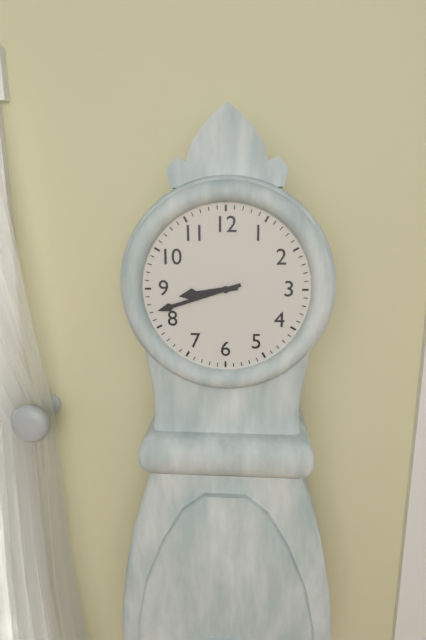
8,42
